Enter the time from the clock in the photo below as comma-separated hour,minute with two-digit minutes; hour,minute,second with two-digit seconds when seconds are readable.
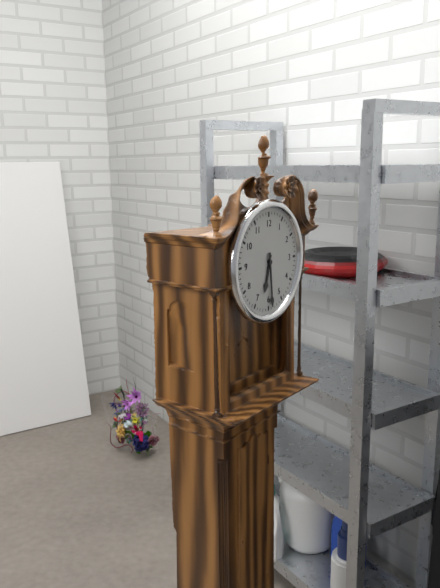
6,29
